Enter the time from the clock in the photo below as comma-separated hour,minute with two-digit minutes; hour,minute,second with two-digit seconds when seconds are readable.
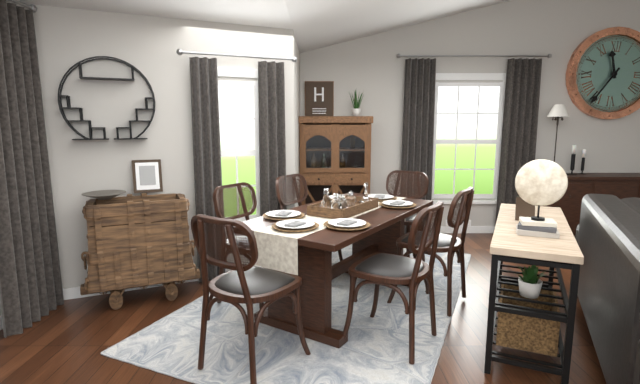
11,36
